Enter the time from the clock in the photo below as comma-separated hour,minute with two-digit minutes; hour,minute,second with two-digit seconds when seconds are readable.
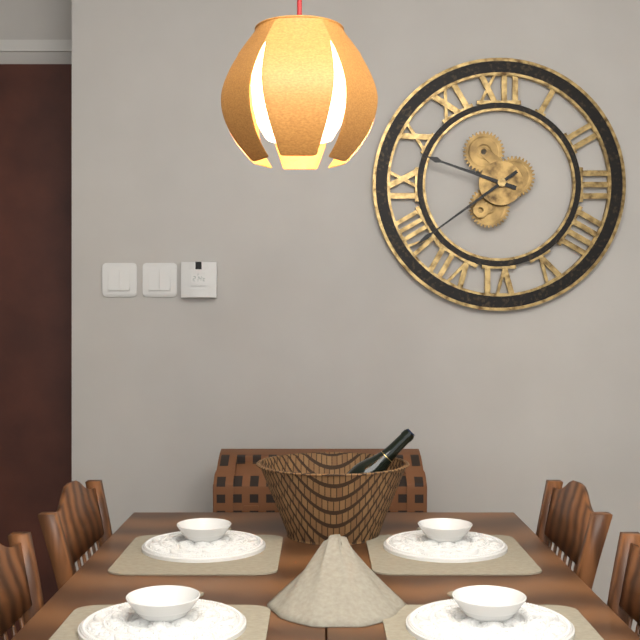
9,39
